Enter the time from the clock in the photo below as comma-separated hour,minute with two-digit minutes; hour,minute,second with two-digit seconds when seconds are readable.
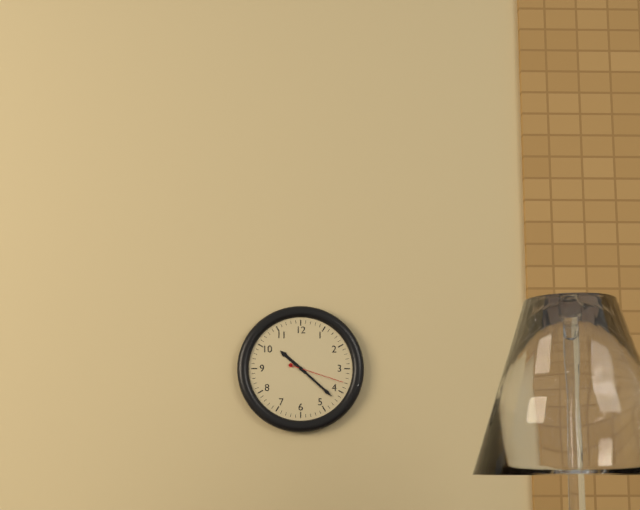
10,22,18
